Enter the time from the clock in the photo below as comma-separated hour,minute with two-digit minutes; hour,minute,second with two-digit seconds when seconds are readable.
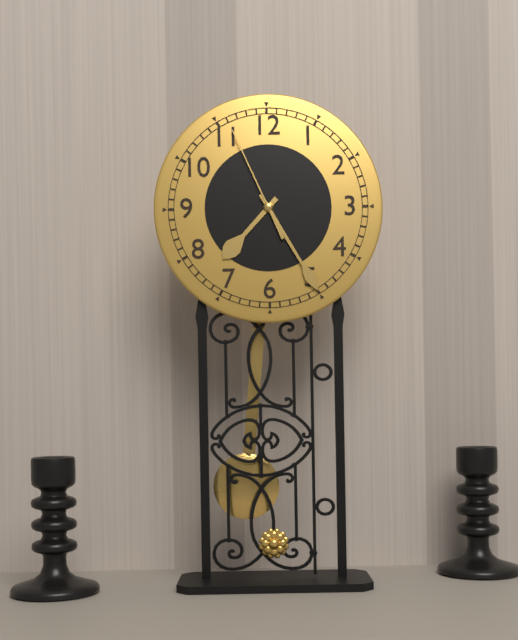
7,25,56
